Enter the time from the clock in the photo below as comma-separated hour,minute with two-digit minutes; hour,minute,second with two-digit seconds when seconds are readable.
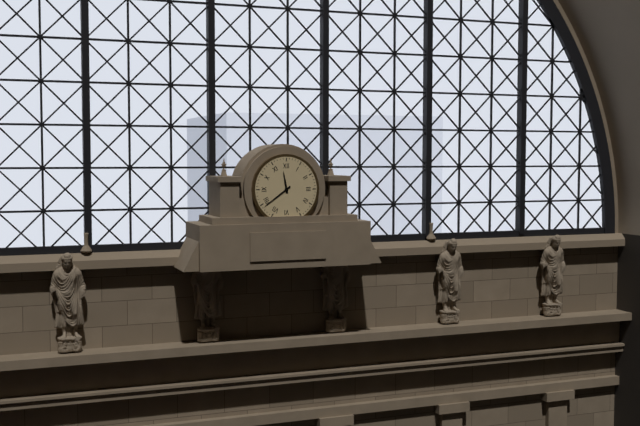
11,39
